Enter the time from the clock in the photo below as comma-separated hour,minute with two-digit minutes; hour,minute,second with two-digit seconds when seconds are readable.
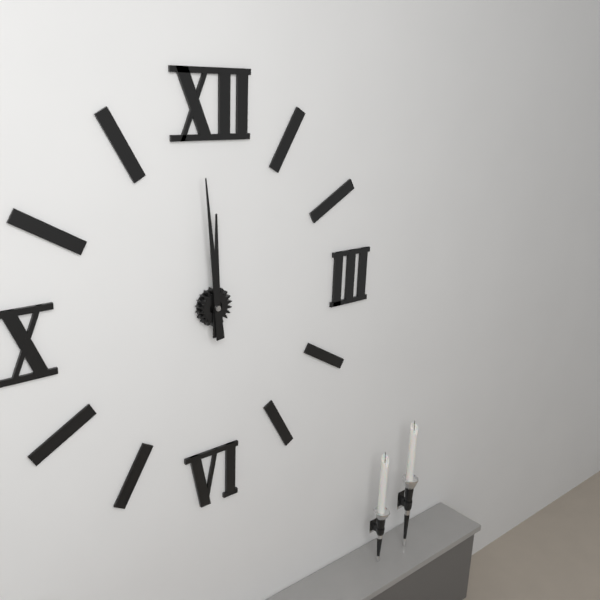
11,59
